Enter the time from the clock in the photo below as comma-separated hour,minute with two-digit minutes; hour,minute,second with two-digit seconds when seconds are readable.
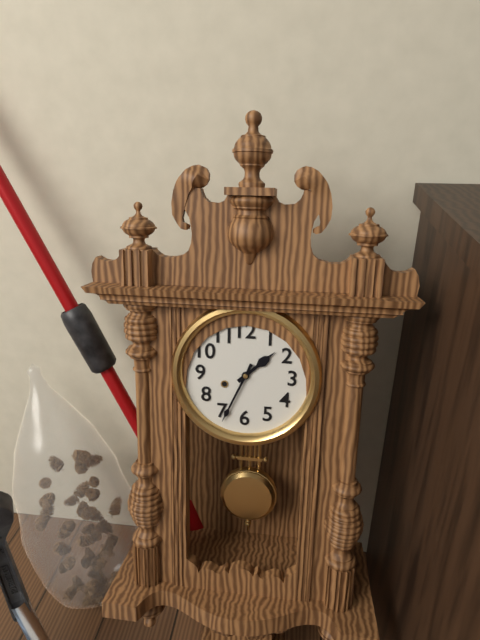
1,34
